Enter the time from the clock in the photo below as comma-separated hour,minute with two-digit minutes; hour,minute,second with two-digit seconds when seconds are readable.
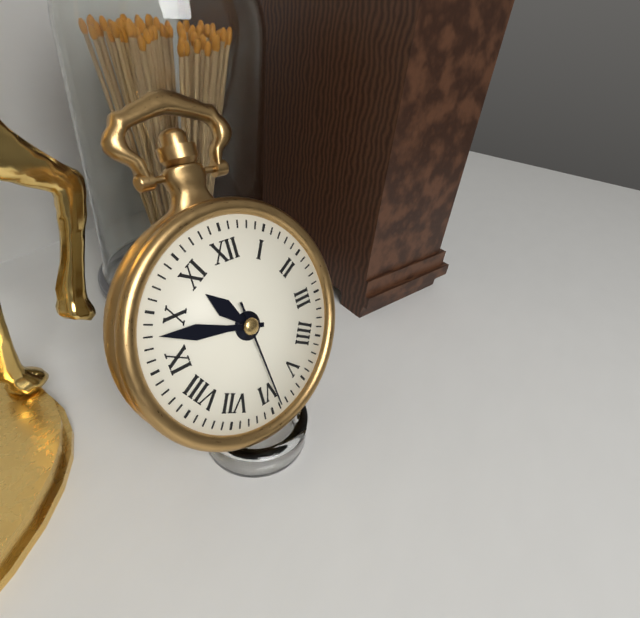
10,48,29
